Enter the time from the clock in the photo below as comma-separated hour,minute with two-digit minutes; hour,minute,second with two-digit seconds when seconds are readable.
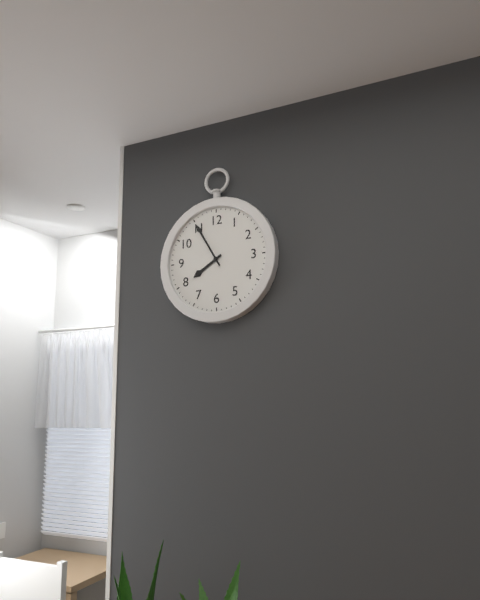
7,55
